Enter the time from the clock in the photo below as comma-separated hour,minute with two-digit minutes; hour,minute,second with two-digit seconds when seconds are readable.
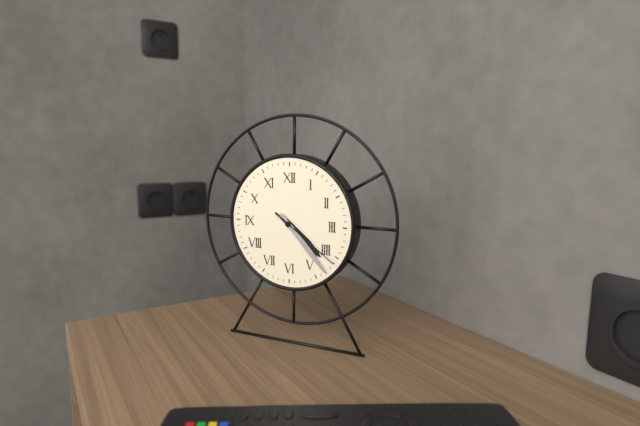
4,23,21
